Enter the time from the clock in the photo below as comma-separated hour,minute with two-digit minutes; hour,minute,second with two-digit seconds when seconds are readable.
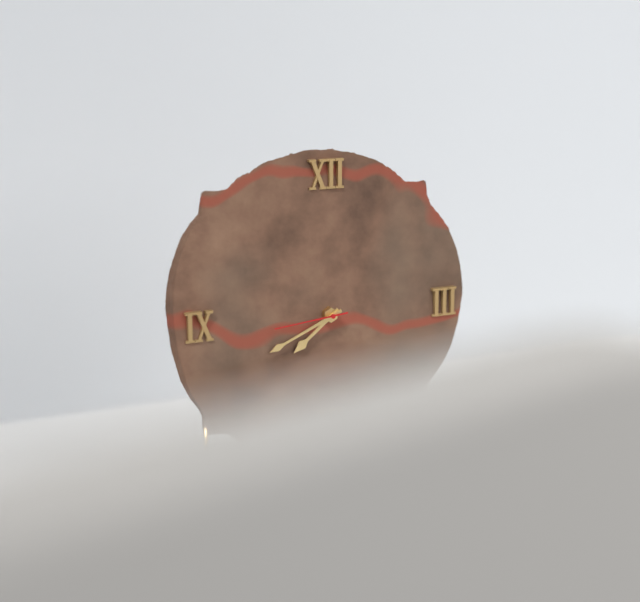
7,41,44
